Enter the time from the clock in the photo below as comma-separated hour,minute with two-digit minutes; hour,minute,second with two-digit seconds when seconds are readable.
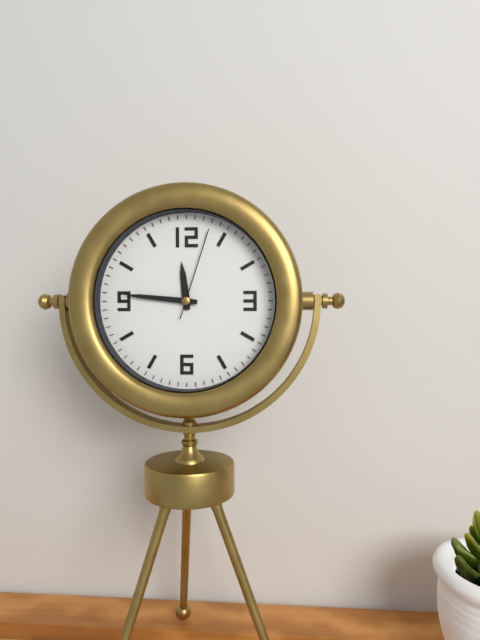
11,46,03
